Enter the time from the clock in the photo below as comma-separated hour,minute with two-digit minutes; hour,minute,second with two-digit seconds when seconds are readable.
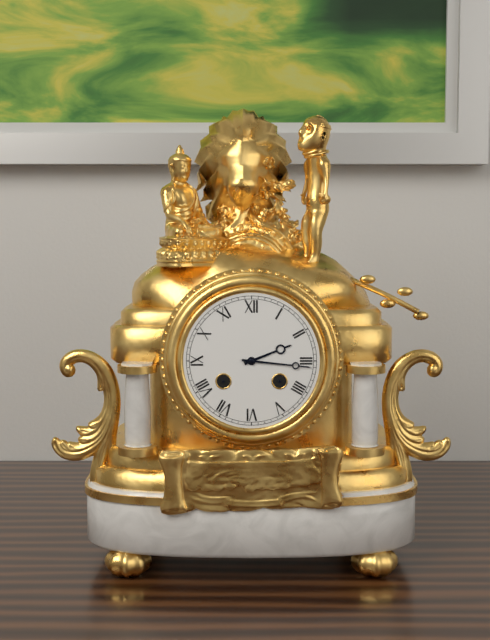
2,16
